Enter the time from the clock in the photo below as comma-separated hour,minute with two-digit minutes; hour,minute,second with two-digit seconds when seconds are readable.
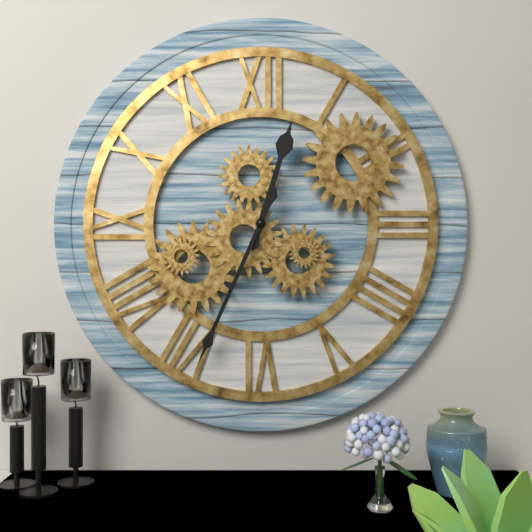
12,34
